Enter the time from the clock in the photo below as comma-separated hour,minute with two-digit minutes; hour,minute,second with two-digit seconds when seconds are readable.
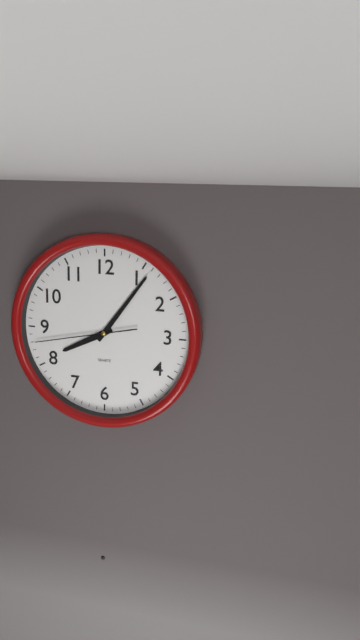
8,06,43
